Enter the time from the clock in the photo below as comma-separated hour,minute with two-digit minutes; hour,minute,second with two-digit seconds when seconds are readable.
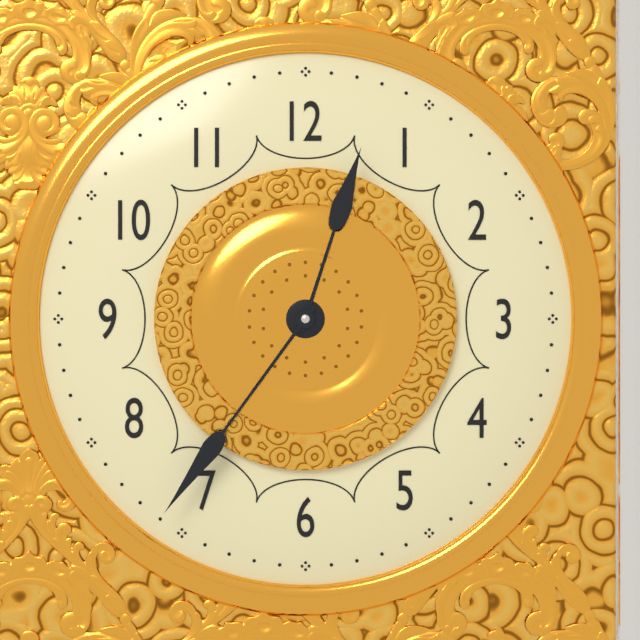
12,36
